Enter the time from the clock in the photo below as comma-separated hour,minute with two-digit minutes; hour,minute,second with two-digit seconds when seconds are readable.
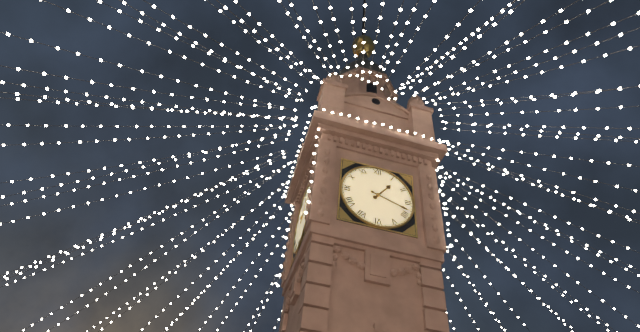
1,18
